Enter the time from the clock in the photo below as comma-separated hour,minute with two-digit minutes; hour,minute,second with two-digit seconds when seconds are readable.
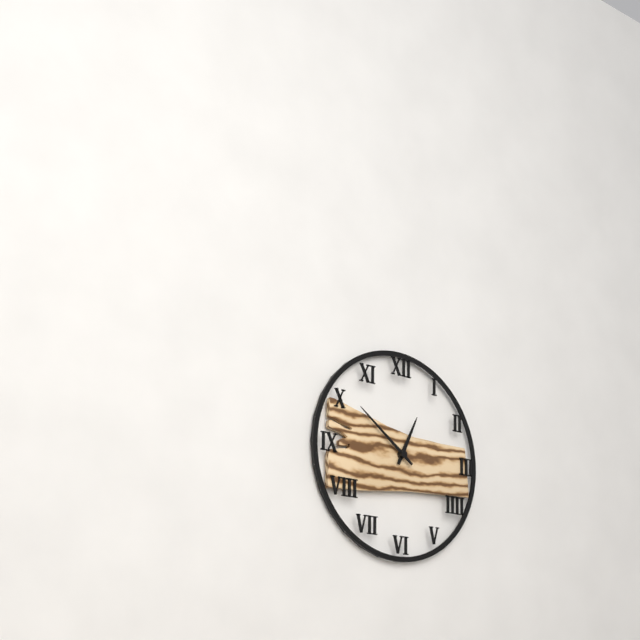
12,51
